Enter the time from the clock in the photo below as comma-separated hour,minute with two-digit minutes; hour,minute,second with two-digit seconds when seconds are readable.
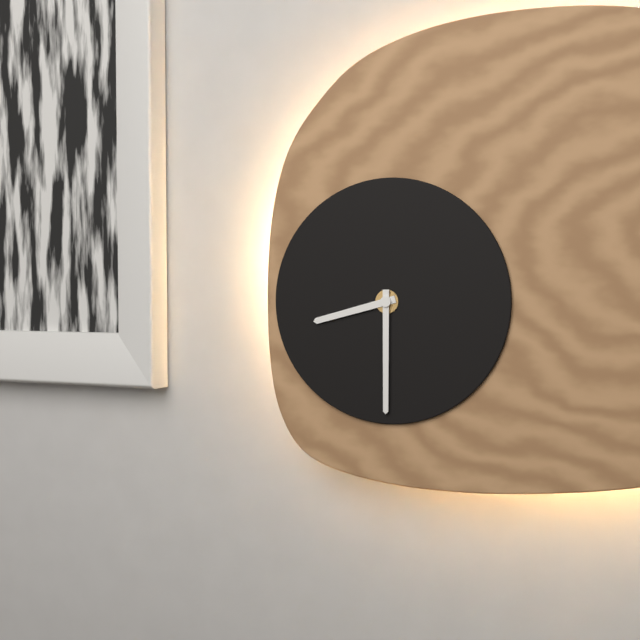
8,30
